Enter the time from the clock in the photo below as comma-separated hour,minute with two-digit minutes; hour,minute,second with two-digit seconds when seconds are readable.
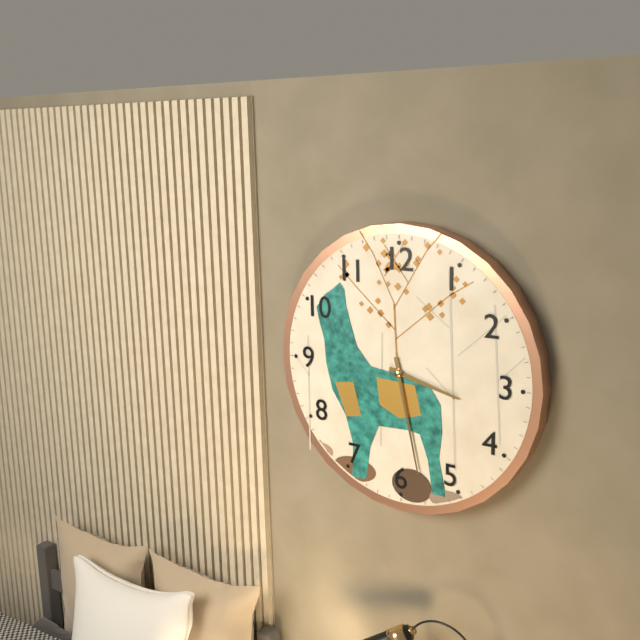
3,28
